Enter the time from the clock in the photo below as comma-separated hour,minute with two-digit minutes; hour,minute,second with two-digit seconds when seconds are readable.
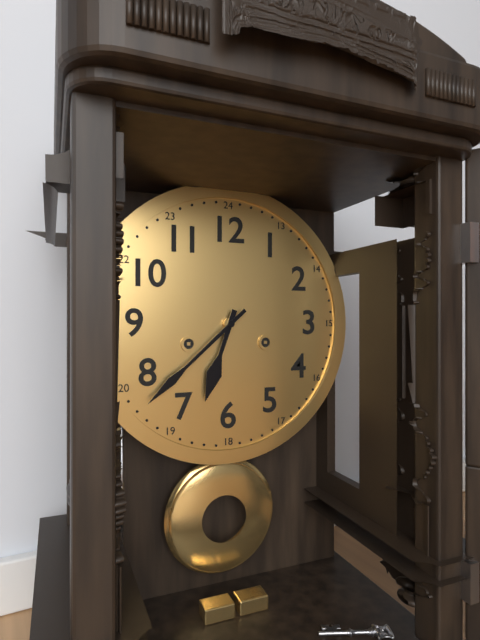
6,38
